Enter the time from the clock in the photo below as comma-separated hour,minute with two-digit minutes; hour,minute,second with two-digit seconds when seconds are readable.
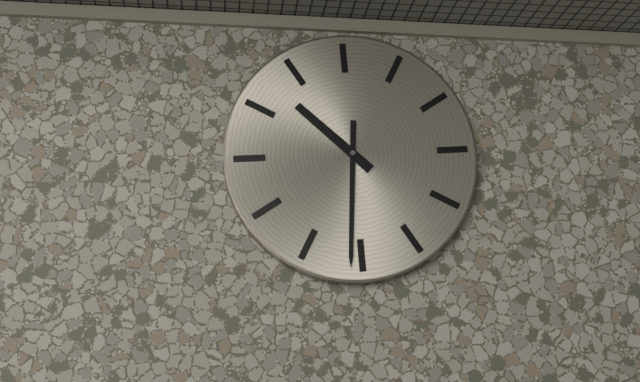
10,31
